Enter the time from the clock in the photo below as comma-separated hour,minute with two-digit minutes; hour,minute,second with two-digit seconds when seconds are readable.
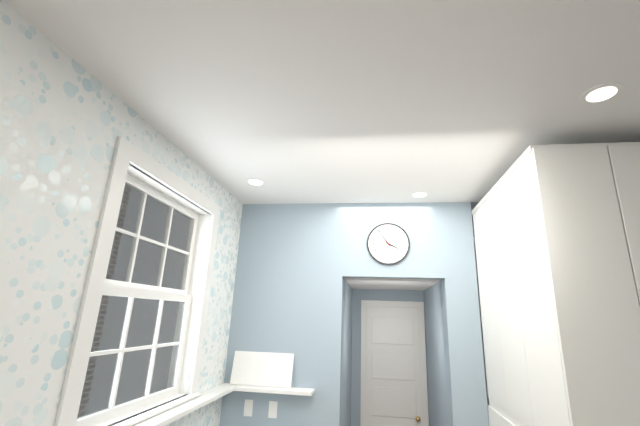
3,54
